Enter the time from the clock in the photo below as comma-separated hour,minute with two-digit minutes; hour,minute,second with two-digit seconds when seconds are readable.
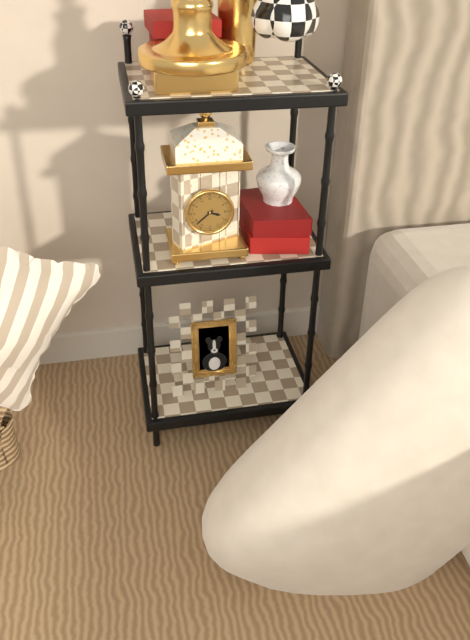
3,38
